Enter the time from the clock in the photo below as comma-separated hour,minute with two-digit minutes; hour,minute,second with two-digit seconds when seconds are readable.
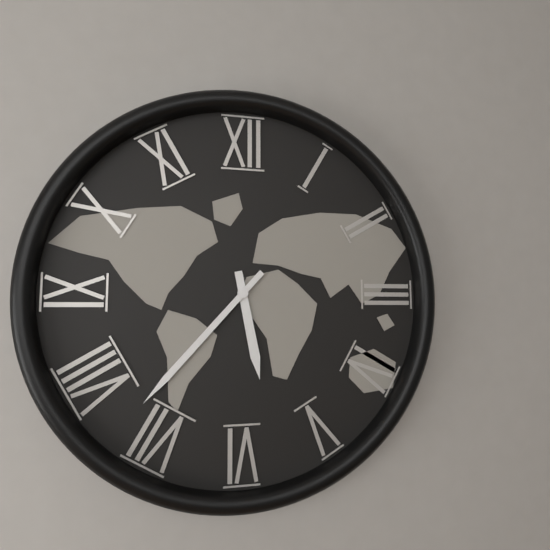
5,37
